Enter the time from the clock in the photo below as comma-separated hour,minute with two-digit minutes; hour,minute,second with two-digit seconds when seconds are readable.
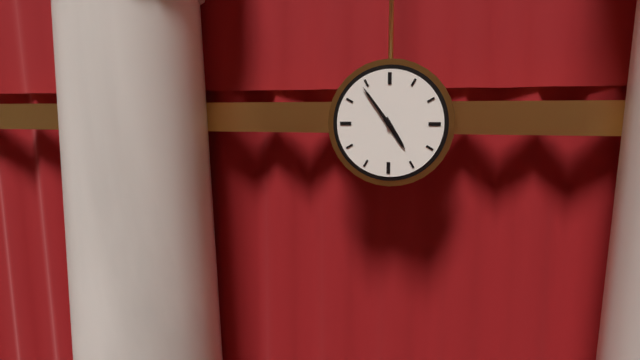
4,54
